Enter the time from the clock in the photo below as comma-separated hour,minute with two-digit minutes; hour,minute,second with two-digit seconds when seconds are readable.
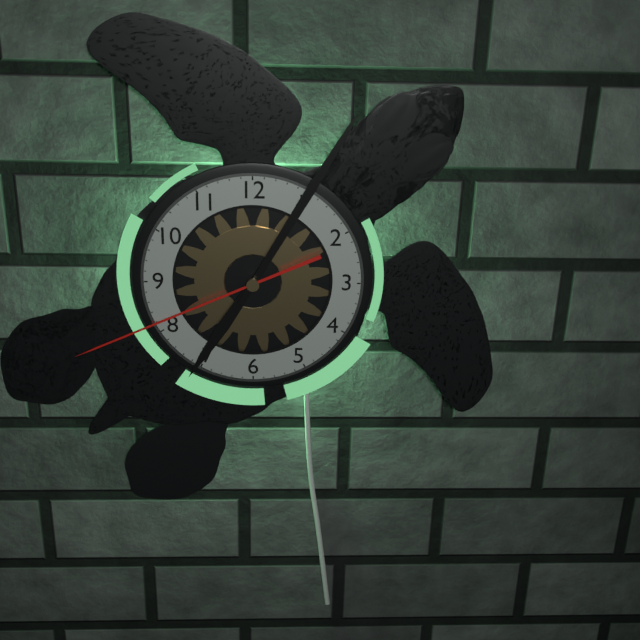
7,05,41
